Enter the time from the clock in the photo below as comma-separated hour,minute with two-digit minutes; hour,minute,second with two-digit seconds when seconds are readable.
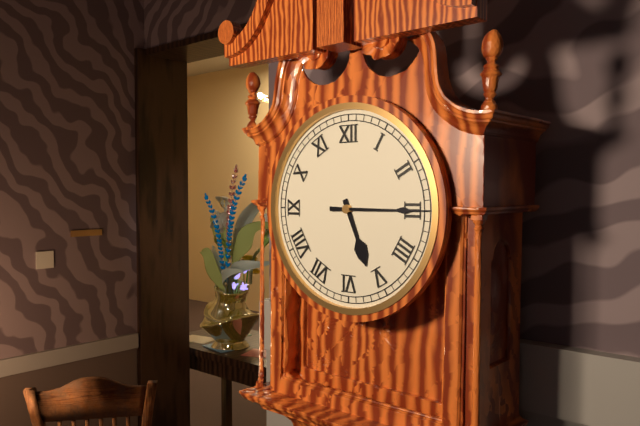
5,15
